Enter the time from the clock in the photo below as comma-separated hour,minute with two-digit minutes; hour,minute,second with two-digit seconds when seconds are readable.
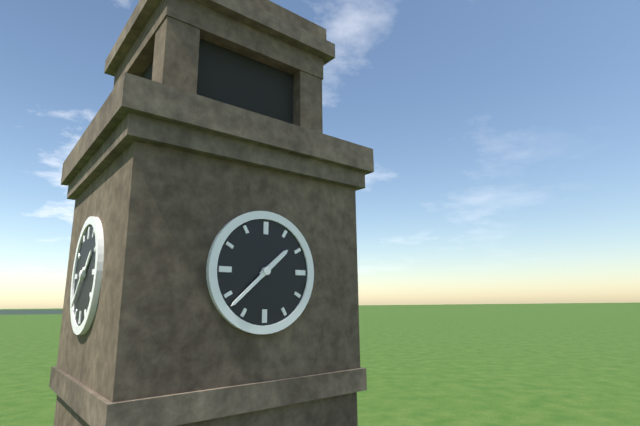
1,38
